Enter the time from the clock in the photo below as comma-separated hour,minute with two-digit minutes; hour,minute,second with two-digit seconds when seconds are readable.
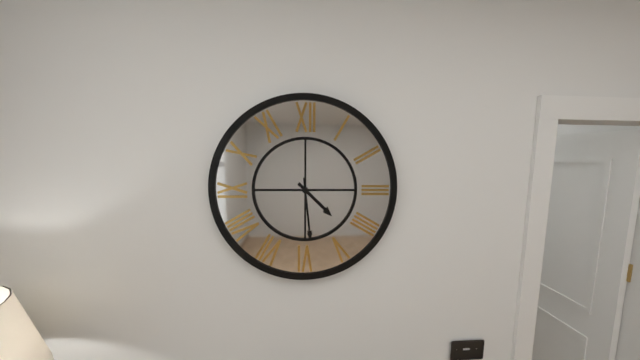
4,29
